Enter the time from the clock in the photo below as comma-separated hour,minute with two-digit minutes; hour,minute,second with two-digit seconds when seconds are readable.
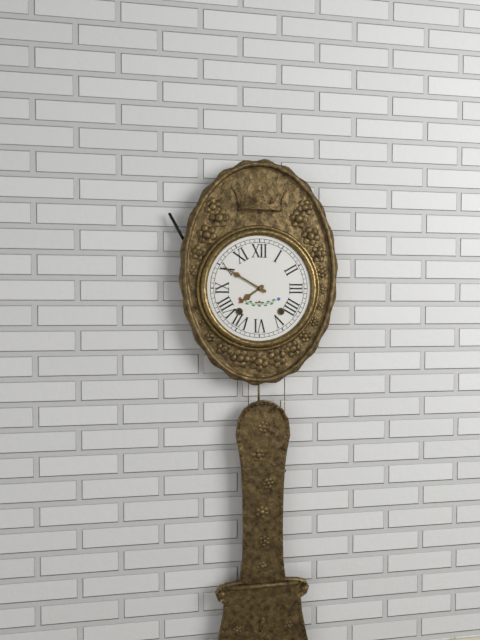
7,50
